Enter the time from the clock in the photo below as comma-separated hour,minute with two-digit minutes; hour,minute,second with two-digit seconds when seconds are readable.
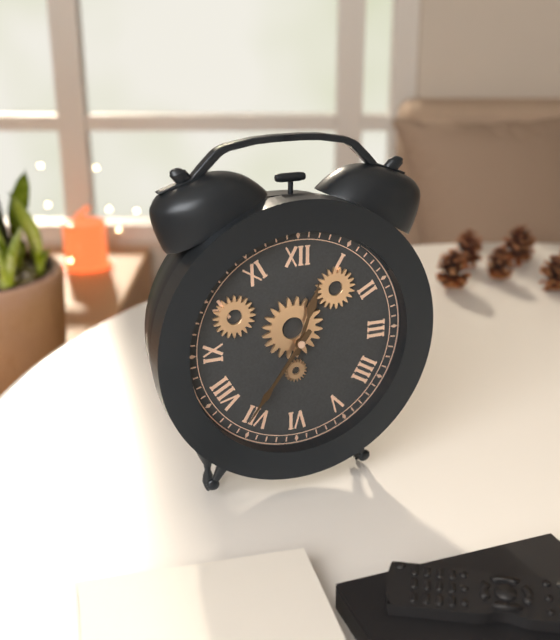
12,36
